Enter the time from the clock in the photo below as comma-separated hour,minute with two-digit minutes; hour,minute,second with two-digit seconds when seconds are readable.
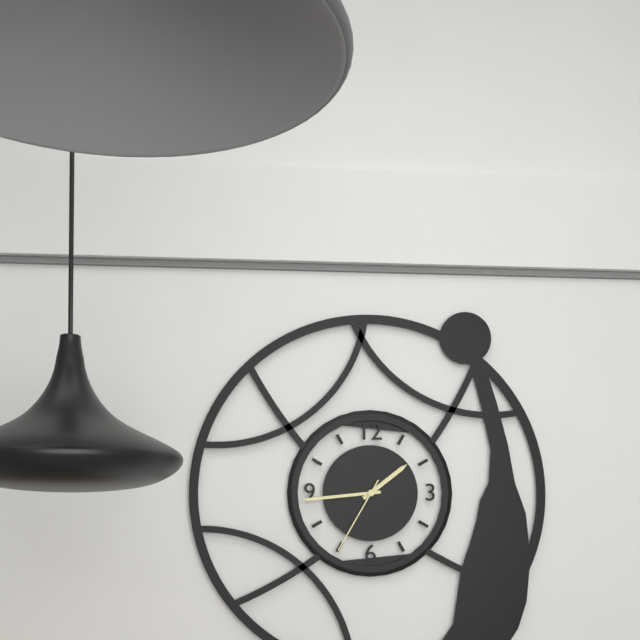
1,44,35
